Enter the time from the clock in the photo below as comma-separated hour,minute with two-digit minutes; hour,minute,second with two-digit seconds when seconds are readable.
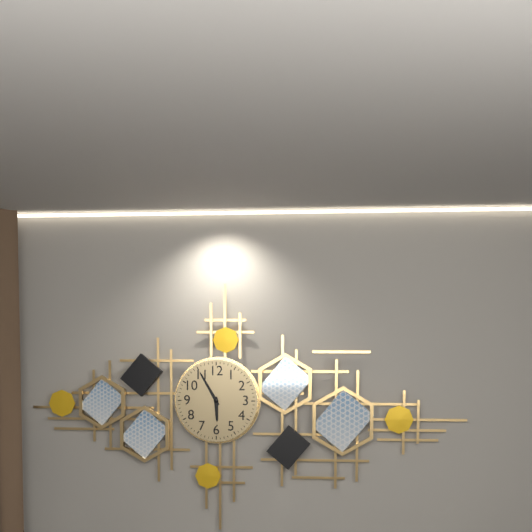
5,55
